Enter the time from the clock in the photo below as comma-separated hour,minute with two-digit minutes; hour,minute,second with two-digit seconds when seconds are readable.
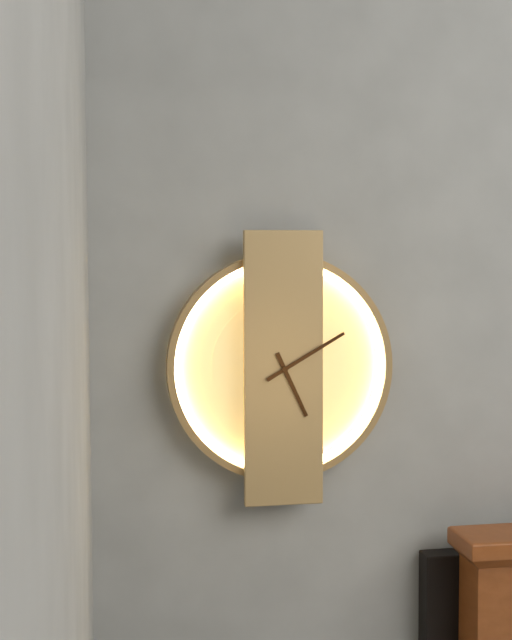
5,10
